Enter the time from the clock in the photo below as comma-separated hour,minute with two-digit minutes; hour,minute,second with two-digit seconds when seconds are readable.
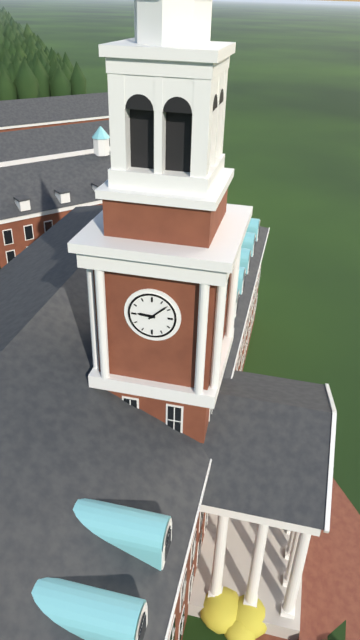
9,08
